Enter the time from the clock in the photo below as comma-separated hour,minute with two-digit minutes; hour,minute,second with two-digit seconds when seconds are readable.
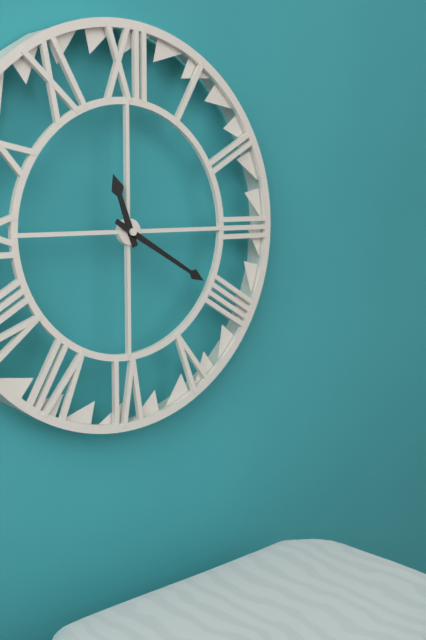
11,20
